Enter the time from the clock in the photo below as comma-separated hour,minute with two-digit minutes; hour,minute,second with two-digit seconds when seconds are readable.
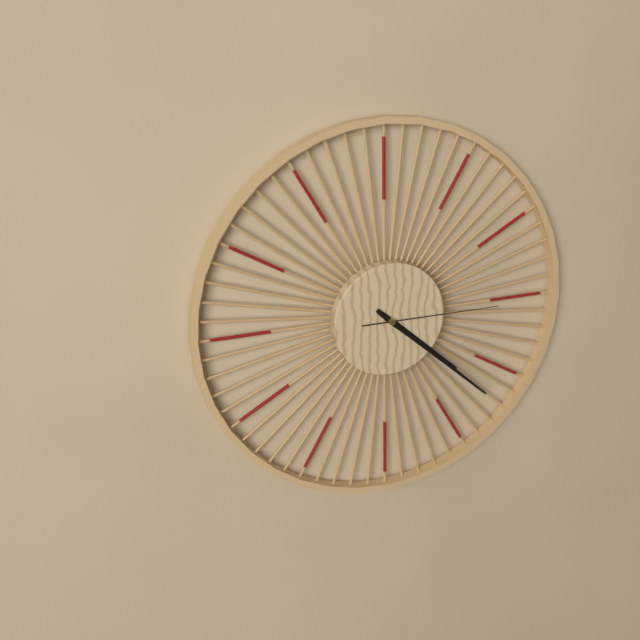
4,22,15
